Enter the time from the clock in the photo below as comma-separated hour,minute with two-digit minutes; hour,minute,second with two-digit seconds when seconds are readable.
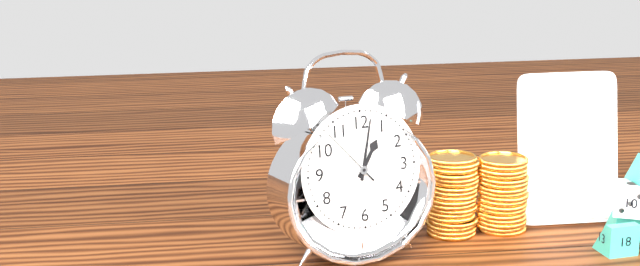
1,02,53
